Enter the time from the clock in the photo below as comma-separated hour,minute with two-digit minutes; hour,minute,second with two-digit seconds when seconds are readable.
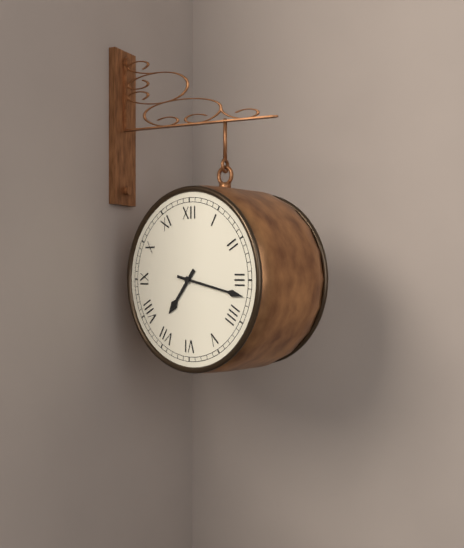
7,17
